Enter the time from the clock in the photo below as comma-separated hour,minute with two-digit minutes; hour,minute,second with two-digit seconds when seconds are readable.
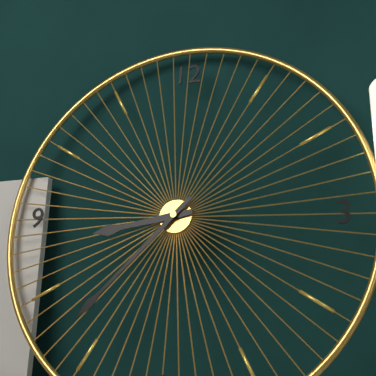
8,37
